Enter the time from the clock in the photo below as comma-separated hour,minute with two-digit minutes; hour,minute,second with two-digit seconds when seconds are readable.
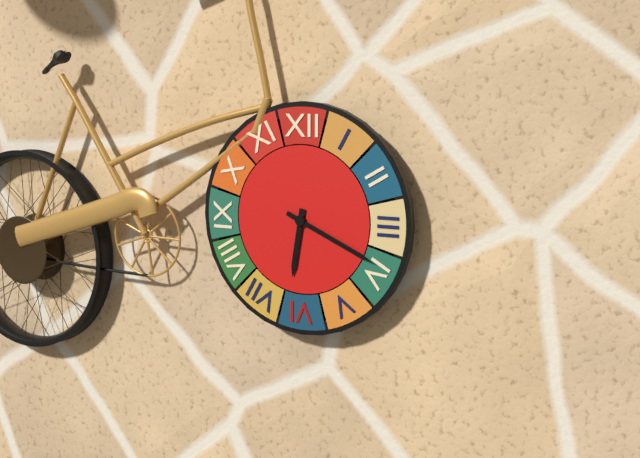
6,19
